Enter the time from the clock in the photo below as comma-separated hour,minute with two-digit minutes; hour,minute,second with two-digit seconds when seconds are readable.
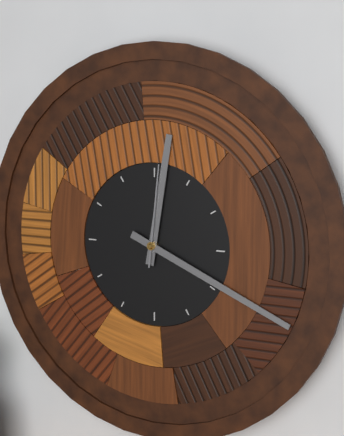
12,19,01
